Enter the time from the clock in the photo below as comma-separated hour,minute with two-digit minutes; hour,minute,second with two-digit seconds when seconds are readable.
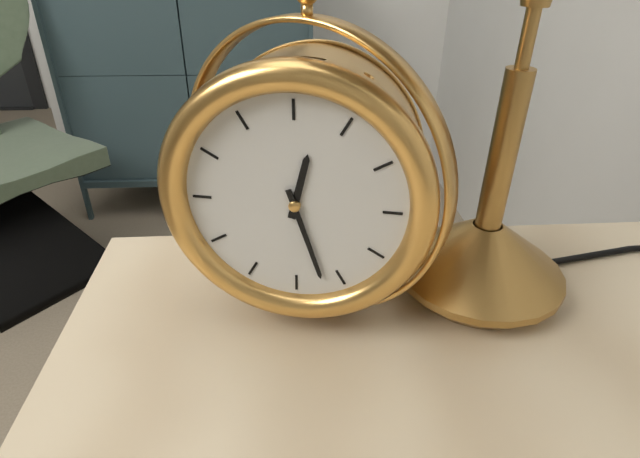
12,27
